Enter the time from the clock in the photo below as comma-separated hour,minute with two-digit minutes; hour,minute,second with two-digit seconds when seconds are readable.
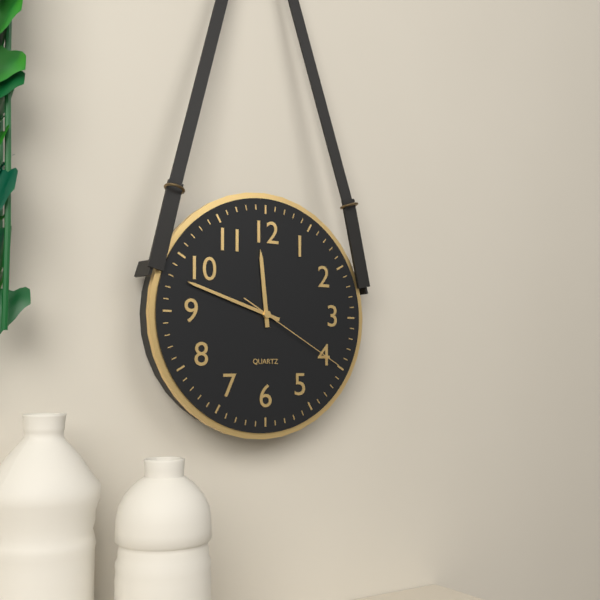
11,48,20
